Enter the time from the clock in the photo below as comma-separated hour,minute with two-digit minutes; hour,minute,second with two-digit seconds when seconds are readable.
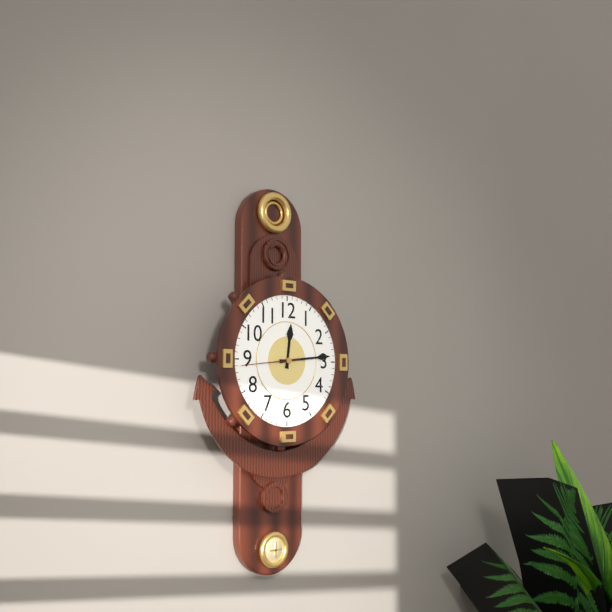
12,14,44
